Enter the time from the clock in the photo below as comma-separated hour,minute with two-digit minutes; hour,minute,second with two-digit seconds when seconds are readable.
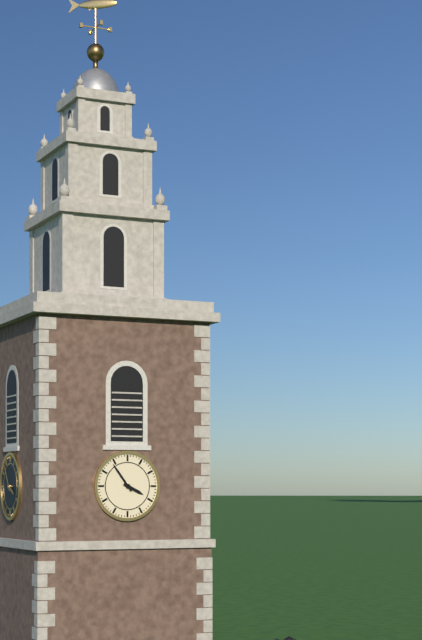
3,54
